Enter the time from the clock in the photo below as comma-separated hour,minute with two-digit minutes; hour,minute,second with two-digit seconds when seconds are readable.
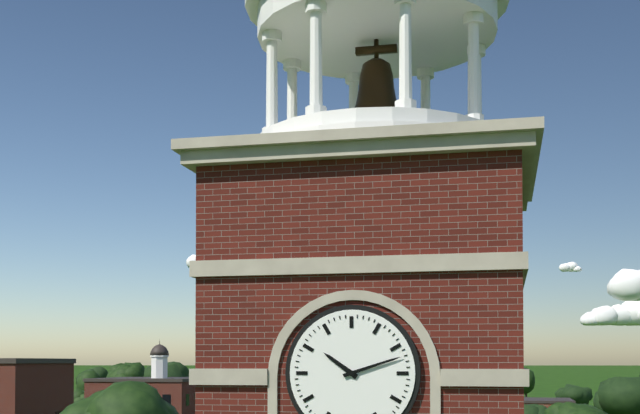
10,12
